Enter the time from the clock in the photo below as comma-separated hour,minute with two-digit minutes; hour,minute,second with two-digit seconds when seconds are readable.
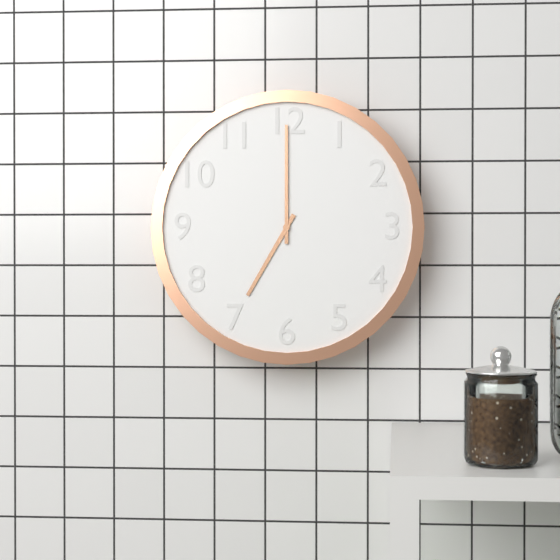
7,00
